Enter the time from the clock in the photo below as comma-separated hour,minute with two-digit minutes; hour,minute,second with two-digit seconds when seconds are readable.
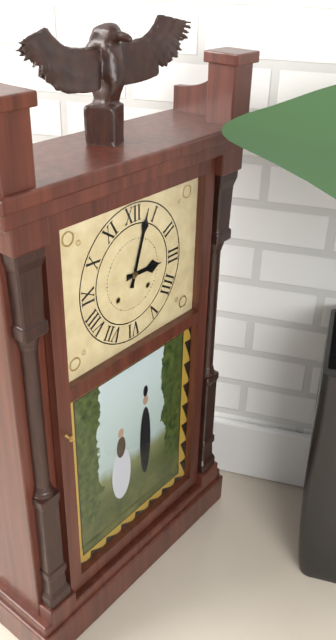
3,03
